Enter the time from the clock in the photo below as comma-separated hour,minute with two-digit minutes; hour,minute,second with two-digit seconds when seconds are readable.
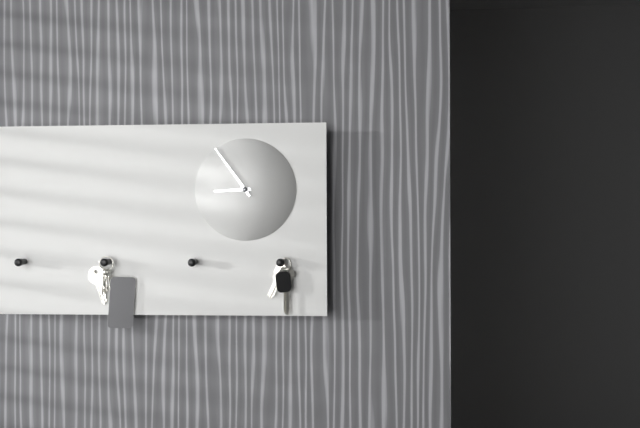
8,54
